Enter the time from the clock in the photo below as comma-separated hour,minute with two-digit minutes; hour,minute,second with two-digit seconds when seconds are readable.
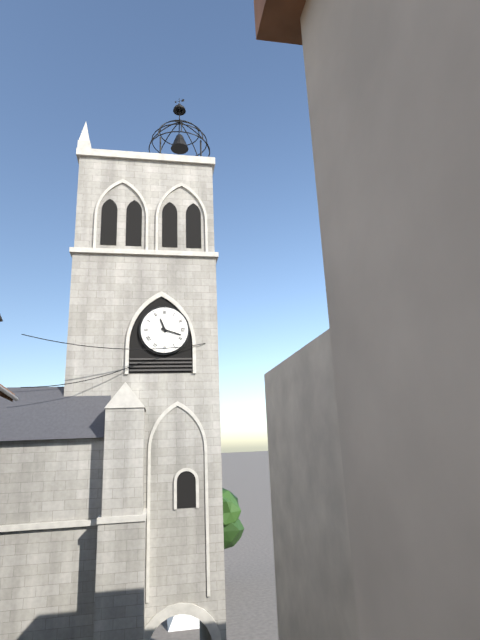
11,18
